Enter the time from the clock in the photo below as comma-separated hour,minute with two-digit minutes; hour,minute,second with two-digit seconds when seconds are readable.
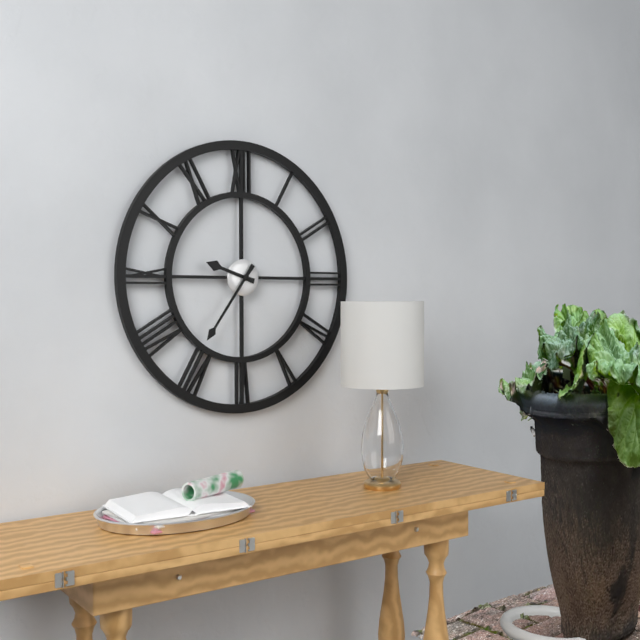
9,36
